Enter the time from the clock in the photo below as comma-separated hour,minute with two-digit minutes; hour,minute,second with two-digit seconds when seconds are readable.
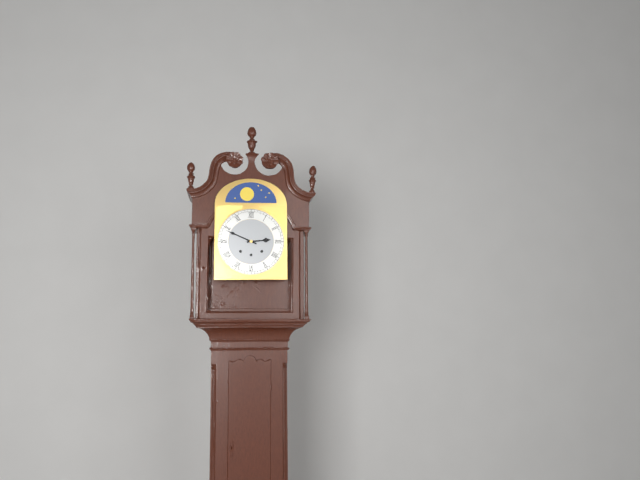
2,49
